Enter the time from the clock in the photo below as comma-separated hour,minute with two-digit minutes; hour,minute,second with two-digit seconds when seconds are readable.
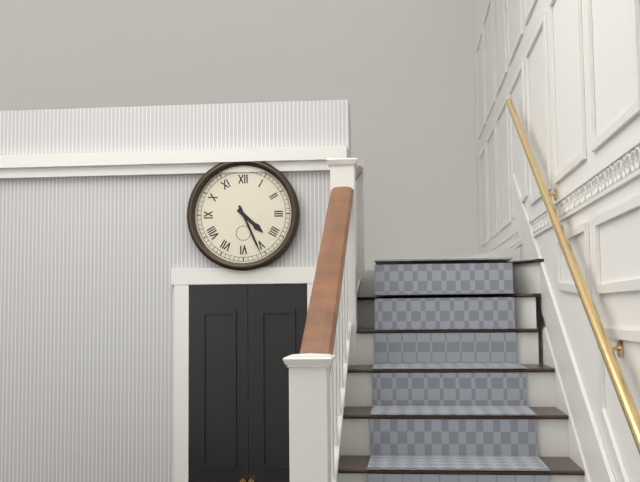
4,26
